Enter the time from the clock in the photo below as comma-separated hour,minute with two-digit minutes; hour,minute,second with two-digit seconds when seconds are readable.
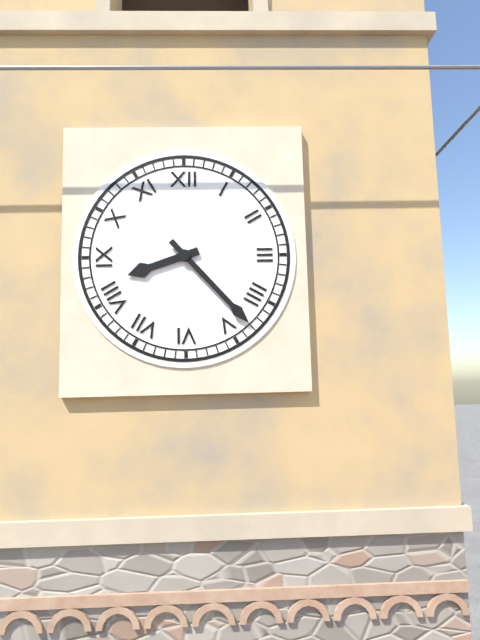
8,23
